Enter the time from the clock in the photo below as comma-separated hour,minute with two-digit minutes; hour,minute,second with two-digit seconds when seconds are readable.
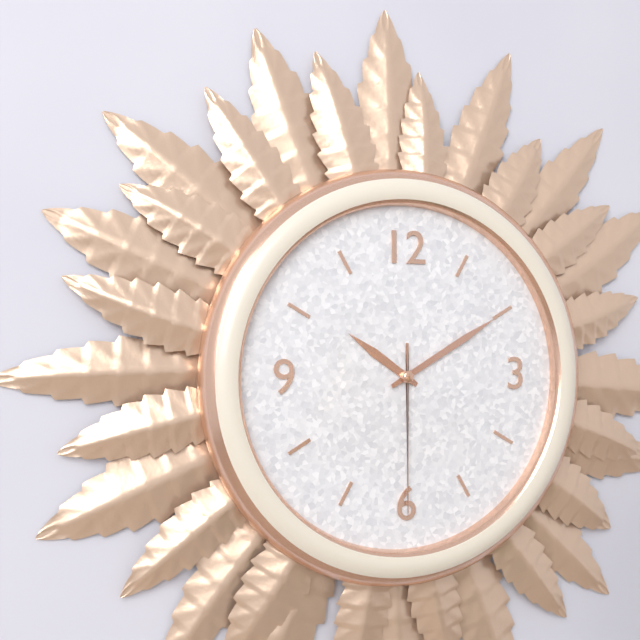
10,10,30
